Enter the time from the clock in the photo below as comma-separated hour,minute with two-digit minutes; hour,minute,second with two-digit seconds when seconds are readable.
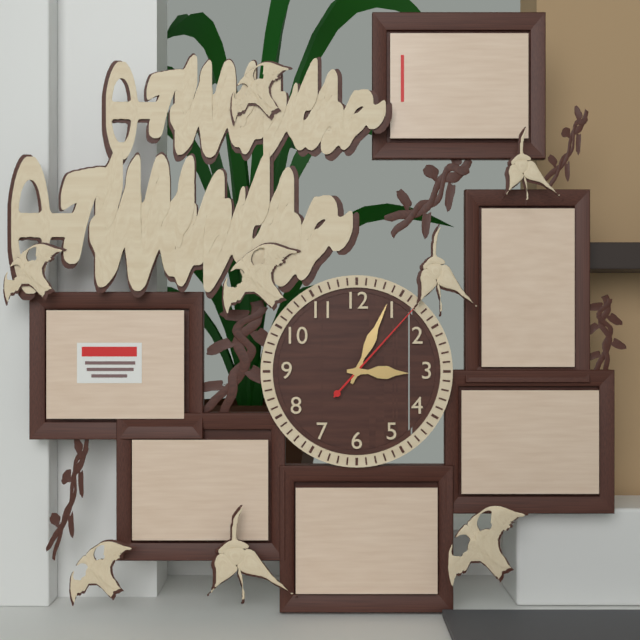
3,04,07
